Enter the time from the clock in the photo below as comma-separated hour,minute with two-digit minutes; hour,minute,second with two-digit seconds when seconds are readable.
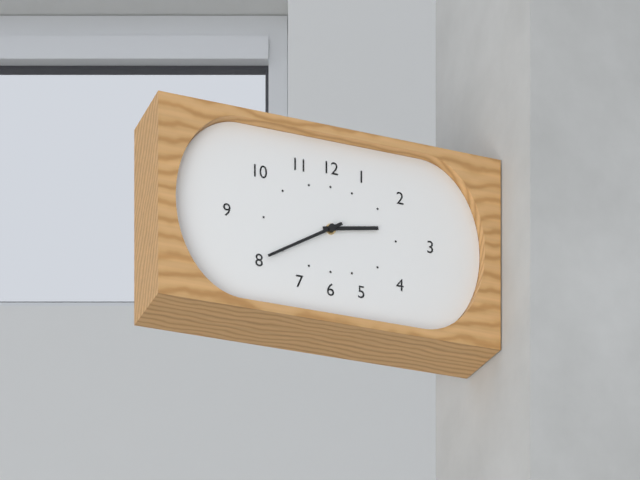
2,40
